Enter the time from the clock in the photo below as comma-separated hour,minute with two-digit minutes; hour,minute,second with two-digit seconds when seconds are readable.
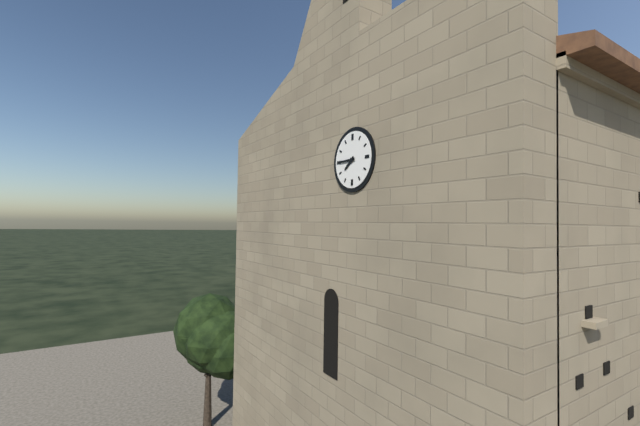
7,45
